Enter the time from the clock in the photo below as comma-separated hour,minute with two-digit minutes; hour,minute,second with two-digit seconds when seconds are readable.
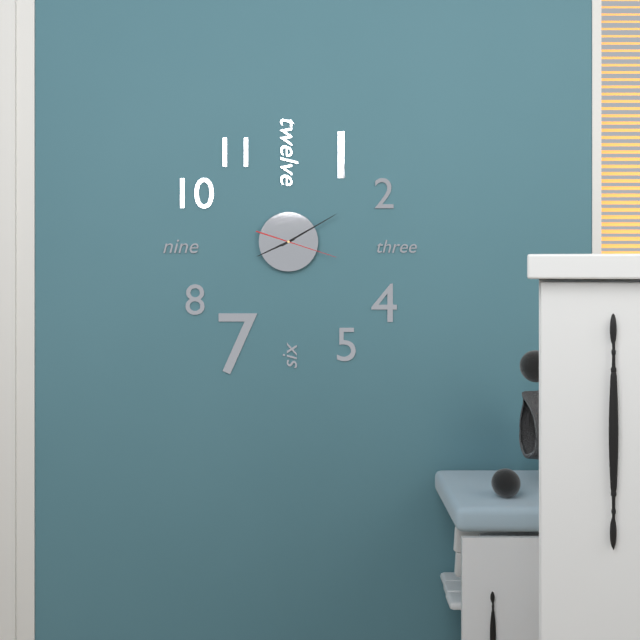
8,10,18
